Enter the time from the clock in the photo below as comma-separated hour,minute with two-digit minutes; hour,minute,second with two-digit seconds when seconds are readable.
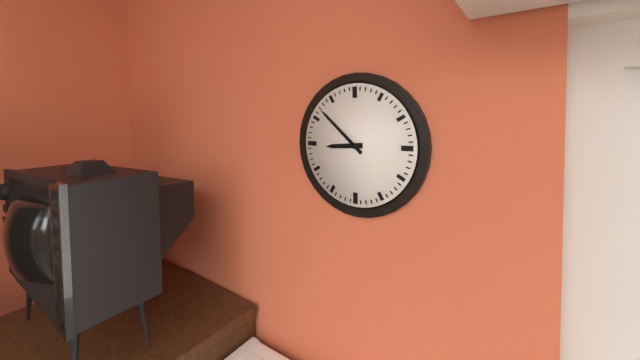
8,52
